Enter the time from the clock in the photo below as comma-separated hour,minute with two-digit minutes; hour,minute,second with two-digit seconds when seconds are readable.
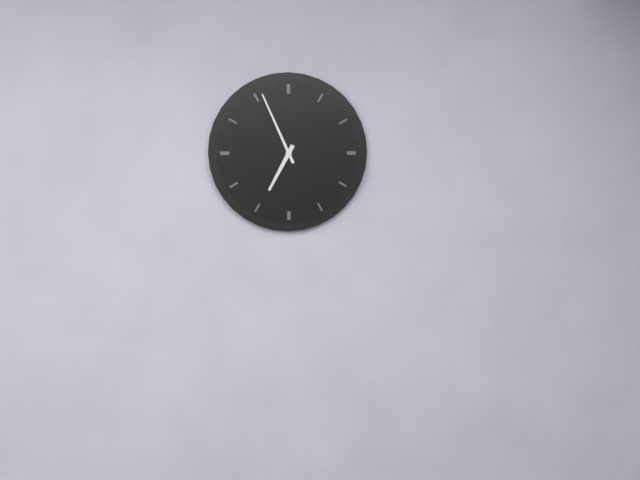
6,56
